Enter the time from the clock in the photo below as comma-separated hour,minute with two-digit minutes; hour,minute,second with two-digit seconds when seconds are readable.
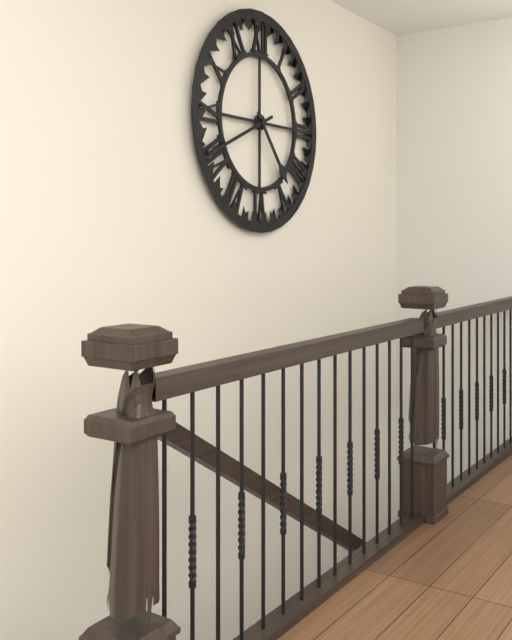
4,41
